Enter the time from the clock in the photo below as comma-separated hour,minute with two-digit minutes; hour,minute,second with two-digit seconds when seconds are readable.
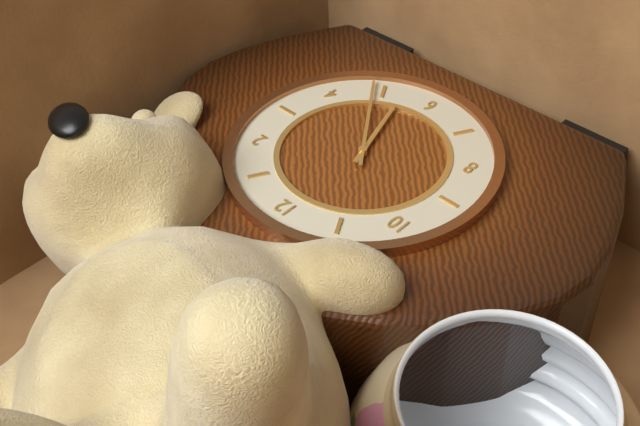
5,24
